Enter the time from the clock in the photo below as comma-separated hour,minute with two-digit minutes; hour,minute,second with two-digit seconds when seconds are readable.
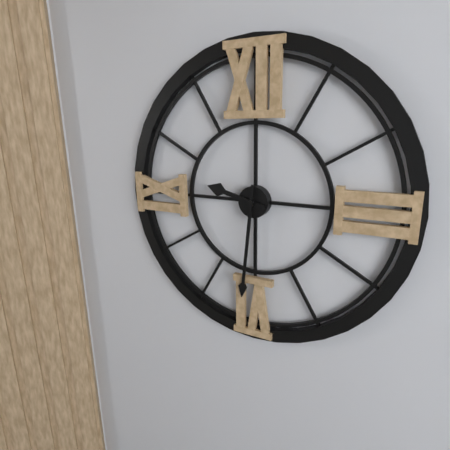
9,31
